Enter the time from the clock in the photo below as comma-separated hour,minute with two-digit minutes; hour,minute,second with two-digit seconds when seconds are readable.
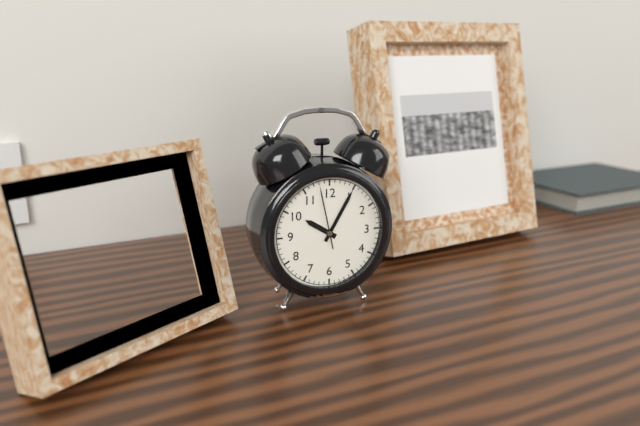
10,05,58
